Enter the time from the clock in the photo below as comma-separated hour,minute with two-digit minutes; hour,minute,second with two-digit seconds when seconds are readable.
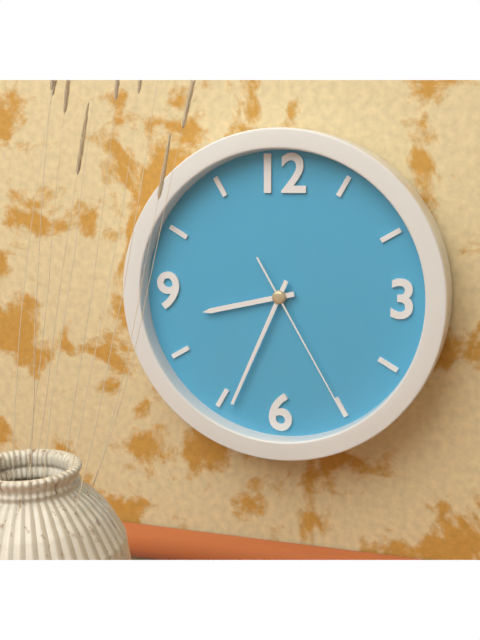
8,34,25
